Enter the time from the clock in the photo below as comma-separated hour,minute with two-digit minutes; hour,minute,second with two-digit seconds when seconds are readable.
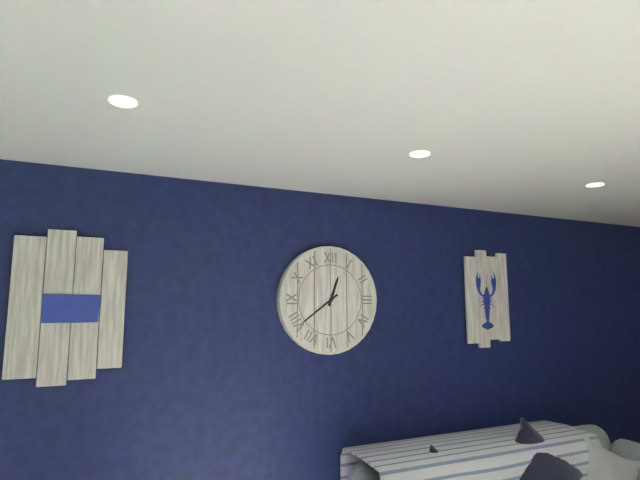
12,39
